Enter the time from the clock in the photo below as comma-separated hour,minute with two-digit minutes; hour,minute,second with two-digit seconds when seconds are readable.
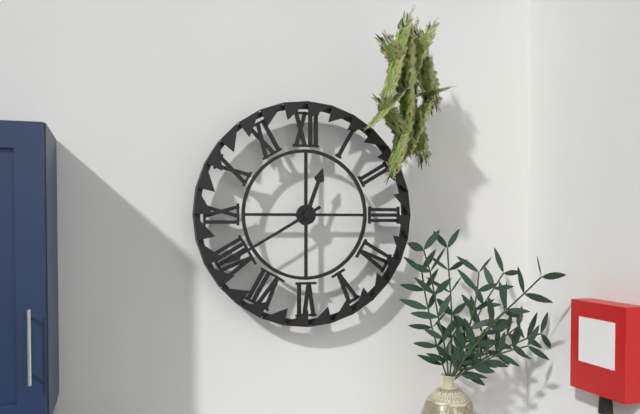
12,40
